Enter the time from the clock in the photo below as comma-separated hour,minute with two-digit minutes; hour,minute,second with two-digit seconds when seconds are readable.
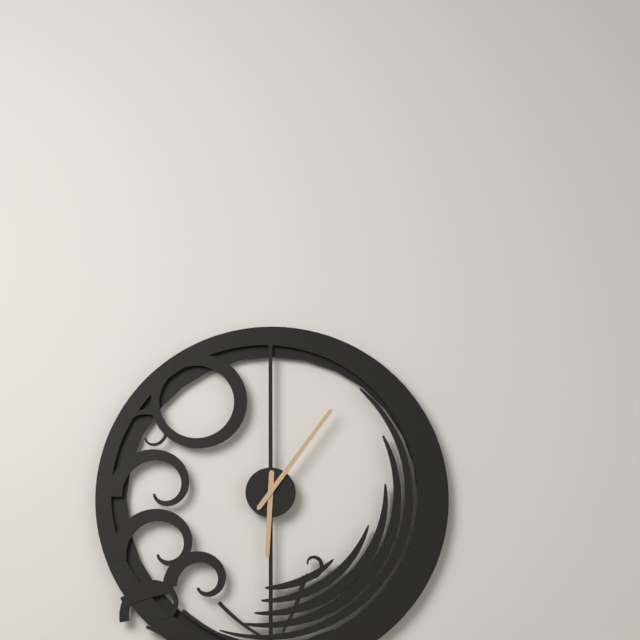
6,06
